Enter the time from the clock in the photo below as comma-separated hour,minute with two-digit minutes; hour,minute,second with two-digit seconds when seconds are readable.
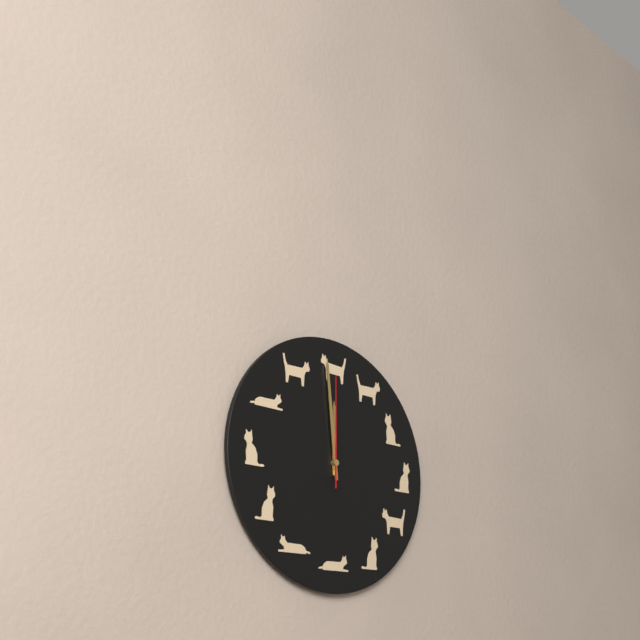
11,59,00
